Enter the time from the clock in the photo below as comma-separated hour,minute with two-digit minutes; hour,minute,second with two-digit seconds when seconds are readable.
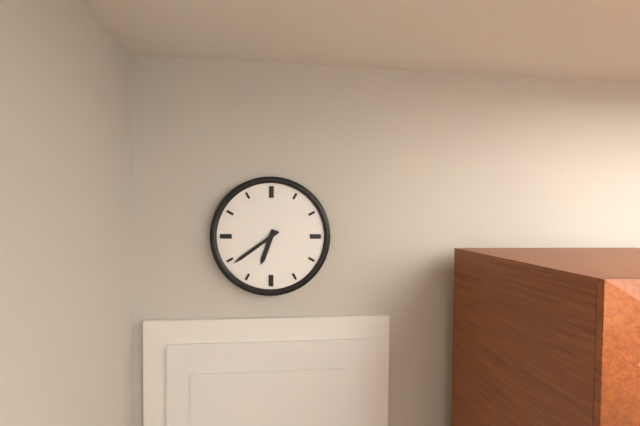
6,39
